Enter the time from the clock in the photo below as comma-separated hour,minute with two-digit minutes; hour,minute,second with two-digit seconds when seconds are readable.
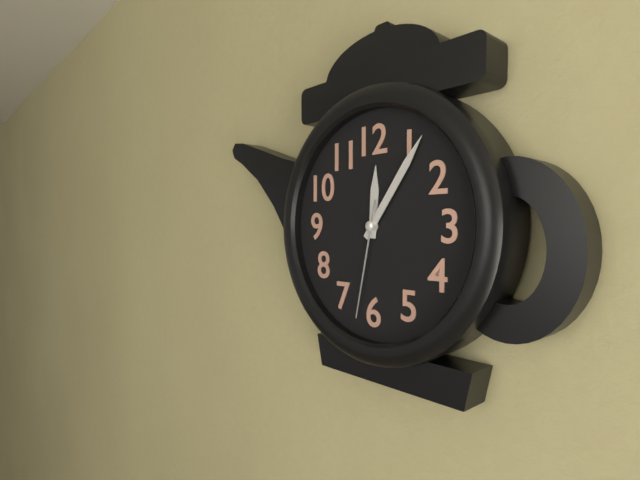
12,06,32
